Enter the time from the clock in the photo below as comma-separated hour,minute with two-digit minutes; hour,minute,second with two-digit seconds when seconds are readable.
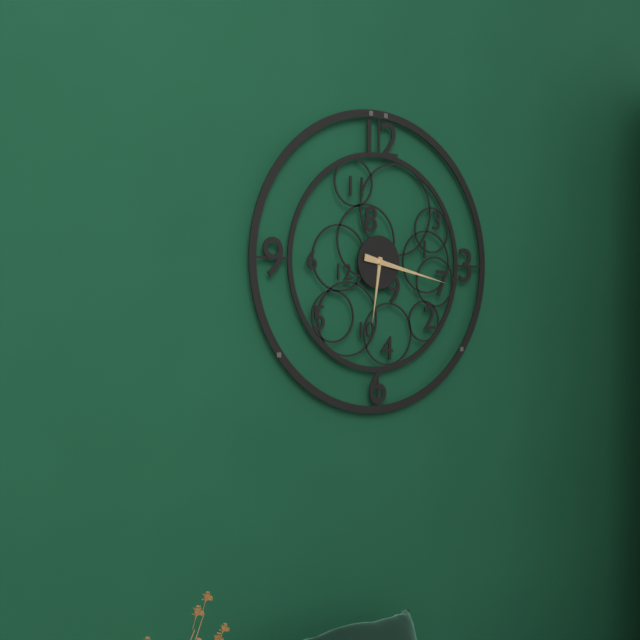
6,17
